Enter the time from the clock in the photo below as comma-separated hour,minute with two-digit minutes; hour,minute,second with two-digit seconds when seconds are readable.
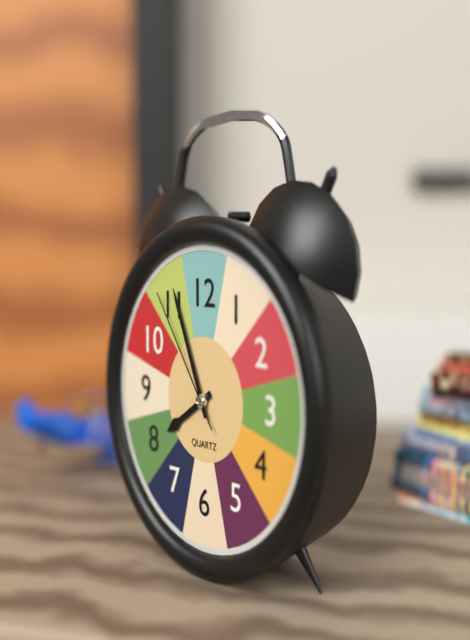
7,56,54
